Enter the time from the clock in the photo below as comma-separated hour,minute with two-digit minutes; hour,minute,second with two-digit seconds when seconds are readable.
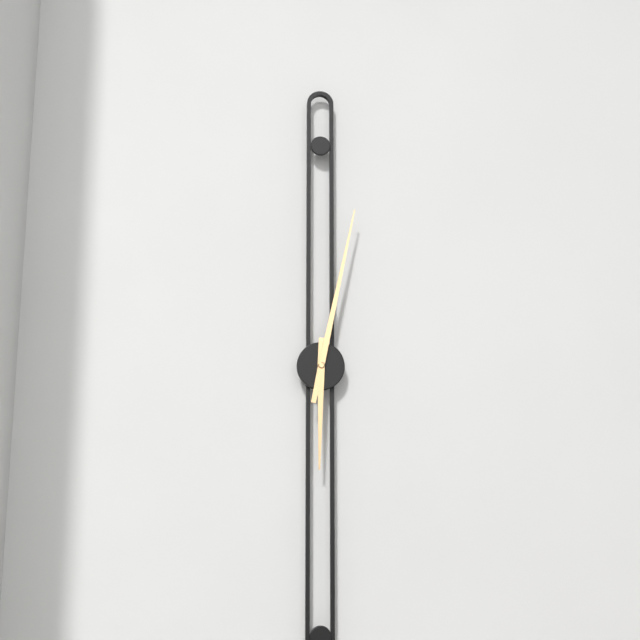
6,02
